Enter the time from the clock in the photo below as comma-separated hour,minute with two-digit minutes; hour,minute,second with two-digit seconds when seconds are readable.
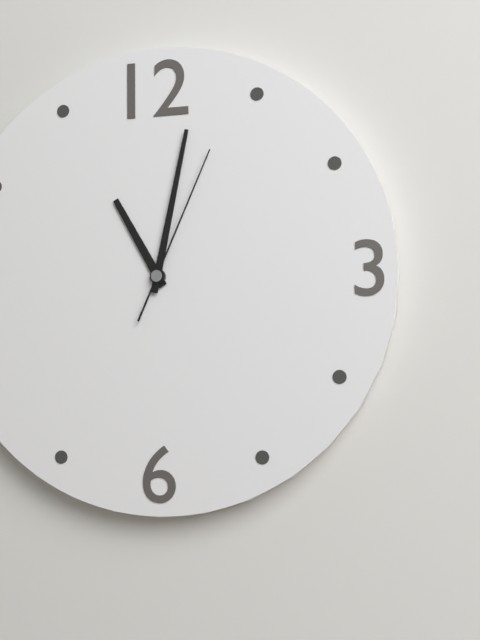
11,02,04
